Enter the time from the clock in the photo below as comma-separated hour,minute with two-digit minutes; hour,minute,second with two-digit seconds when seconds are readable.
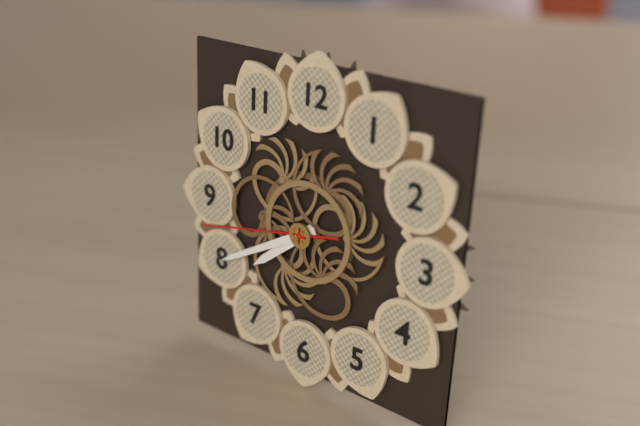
7,40,43
